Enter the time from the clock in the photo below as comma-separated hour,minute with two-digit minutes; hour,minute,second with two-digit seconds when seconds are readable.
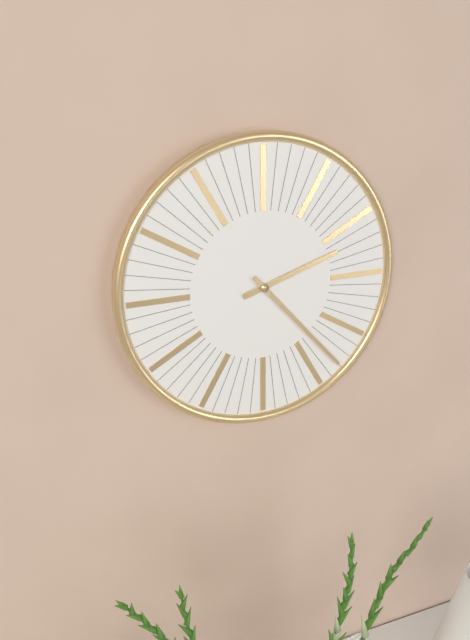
2,23
